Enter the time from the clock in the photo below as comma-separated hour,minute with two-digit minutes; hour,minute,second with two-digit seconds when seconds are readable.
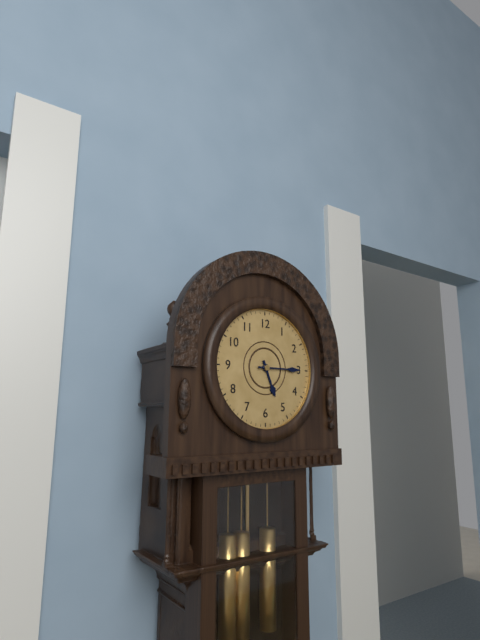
5,15
